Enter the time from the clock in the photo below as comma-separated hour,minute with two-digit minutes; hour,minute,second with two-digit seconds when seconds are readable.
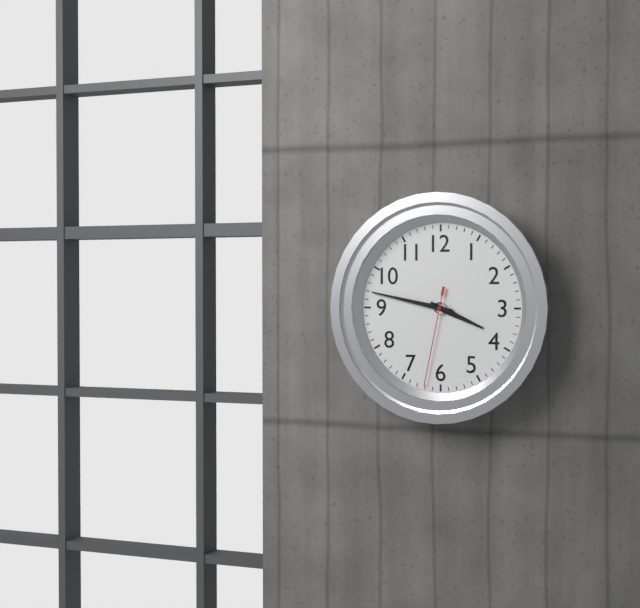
3,47,32
